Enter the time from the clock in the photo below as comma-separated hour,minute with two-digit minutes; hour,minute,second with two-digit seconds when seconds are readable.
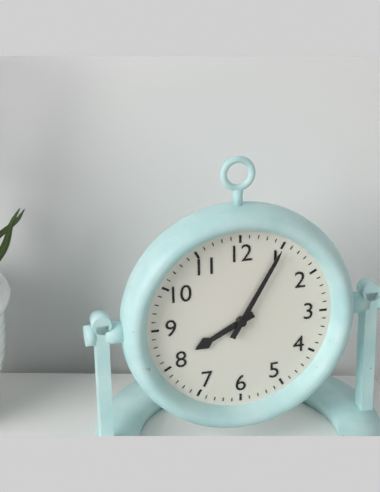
8,05
